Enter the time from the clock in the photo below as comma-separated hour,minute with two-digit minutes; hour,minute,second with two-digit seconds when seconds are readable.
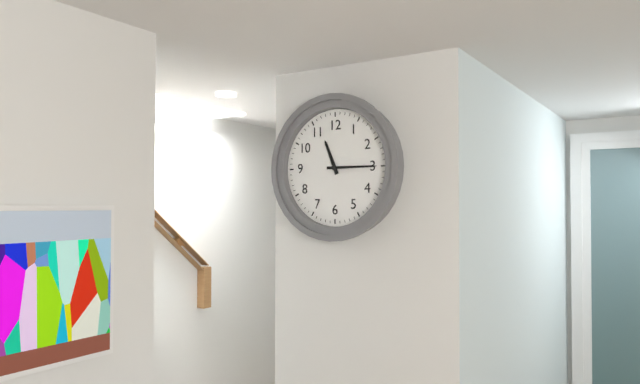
11,15
